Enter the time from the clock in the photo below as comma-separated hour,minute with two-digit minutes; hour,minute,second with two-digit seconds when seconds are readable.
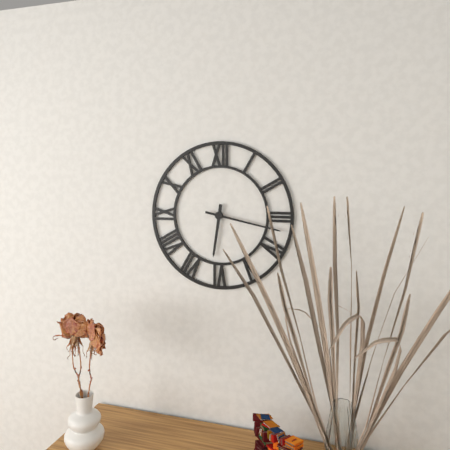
6,17
